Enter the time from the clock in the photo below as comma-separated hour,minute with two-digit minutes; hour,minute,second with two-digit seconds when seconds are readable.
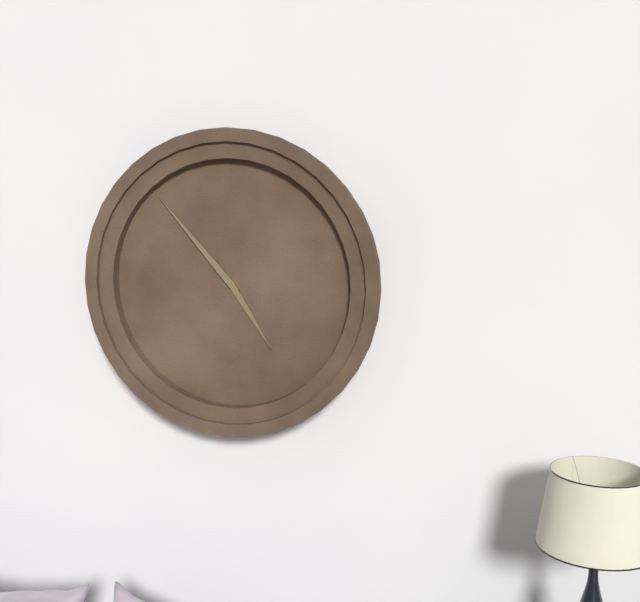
4,53
